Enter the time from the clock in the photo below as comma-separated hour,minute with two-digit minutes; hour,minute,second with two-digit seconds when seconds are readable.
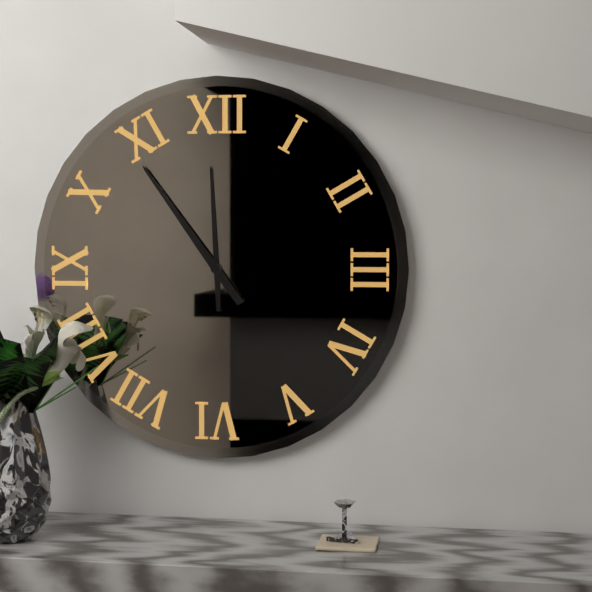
11,54
